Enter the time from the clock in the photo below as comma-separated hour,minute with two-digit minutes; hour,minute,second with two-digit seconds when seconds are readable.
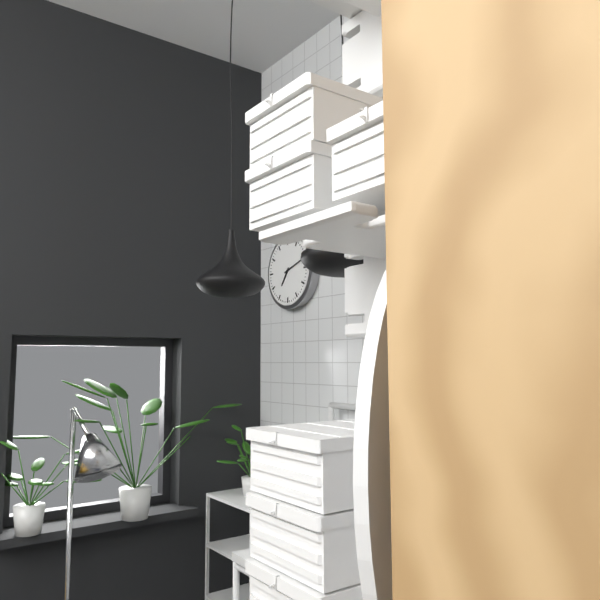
7,12
